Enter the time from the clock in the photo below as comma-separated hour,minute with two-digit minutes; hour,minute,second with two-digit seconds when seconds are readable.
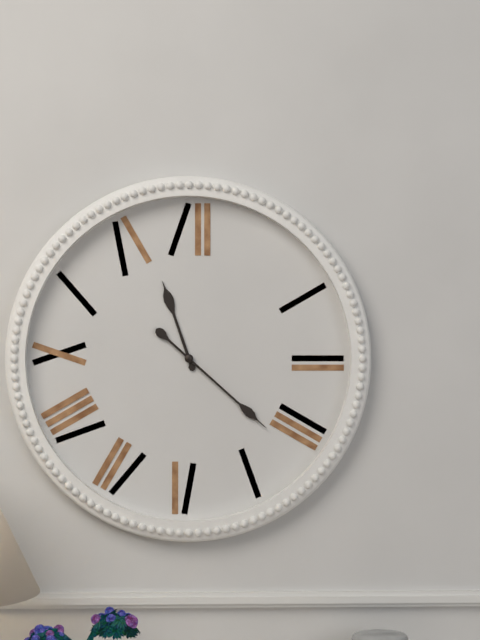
11,22
